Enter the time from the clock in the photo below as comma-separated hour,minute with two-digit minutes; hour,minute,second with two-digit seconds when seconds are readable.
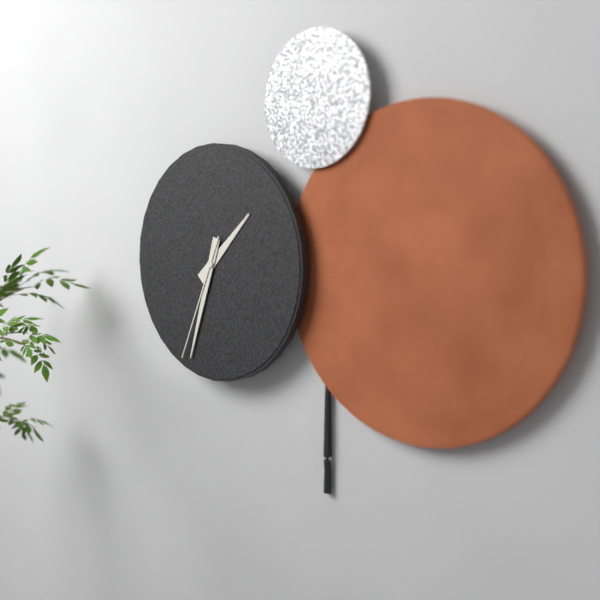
1,33,34
